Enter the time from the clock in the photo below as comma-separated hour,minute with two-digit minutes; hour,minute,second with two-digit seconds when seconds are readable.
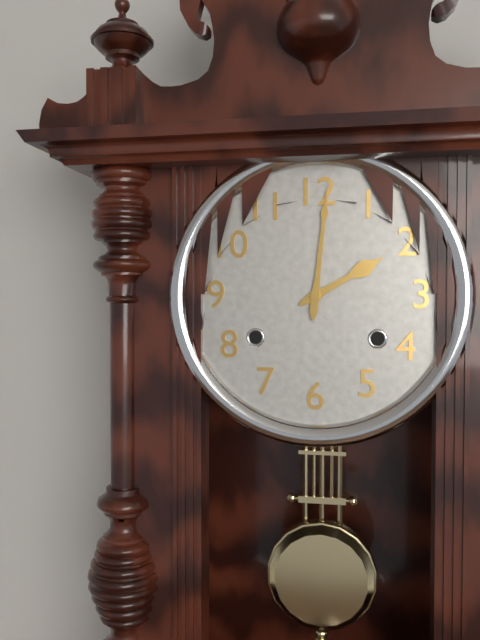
2,01
